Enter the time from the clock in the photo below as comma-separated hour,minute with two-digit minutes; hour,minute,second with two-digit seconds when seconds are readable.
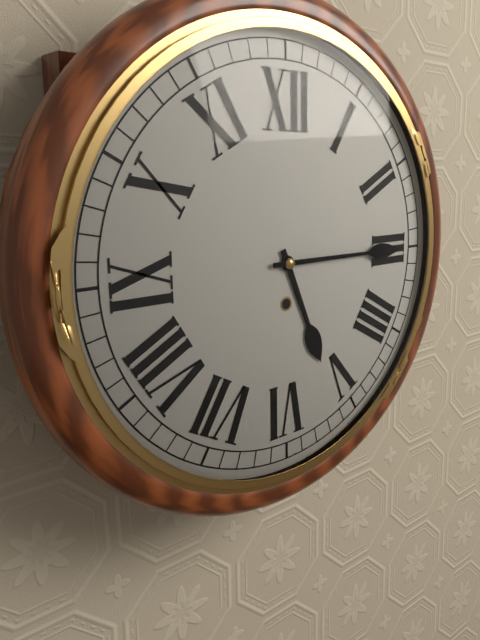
5,15
